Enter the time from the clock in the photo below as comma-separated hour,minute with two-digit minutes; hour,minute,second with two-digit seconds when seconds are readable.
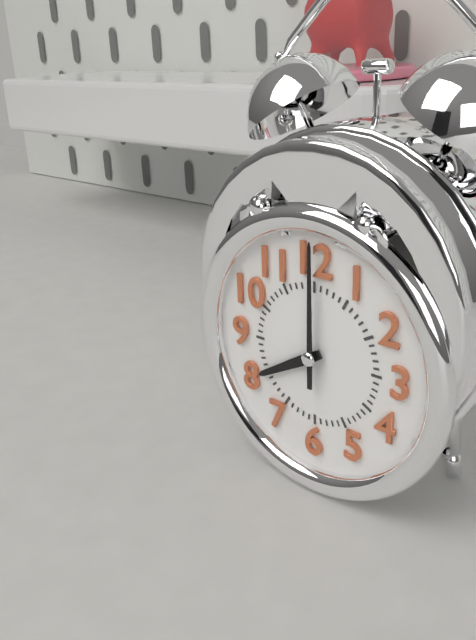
8,00
